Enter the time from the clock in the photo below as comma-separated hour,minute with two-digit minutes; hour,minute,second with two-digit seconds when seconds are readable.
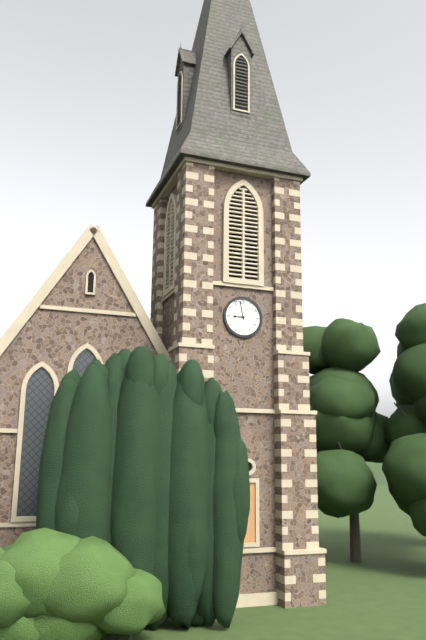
8,58
